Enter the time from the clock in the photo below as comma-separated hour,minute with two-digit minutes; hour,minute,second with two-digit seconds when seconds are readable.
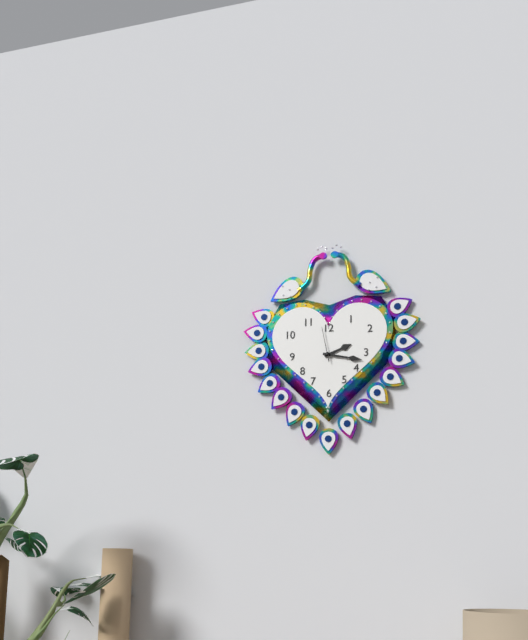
2,17
